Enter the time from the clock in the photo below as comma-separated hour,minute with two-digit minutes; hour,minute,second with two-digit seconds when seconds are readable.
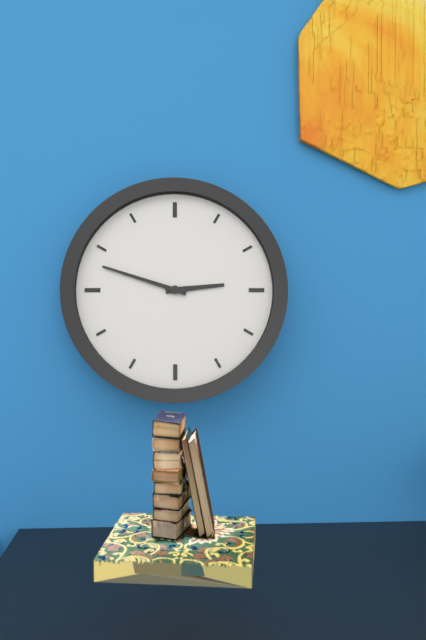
2,48
